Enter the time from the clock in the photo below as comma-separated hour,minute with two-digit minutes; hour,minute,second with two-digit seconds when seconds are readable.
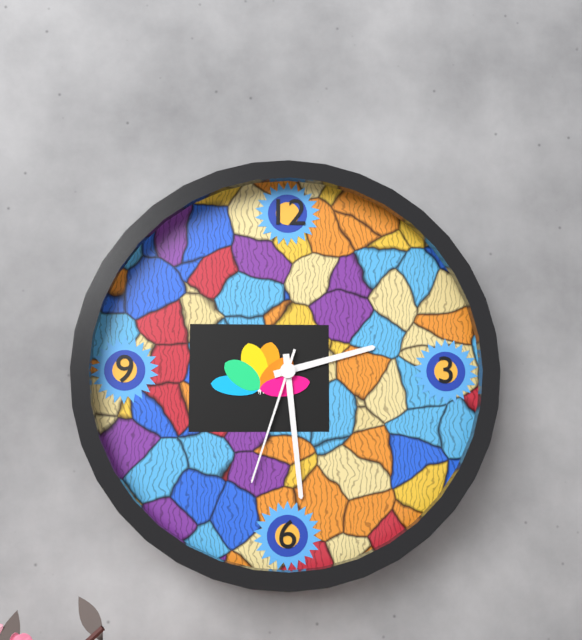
2,29,33
